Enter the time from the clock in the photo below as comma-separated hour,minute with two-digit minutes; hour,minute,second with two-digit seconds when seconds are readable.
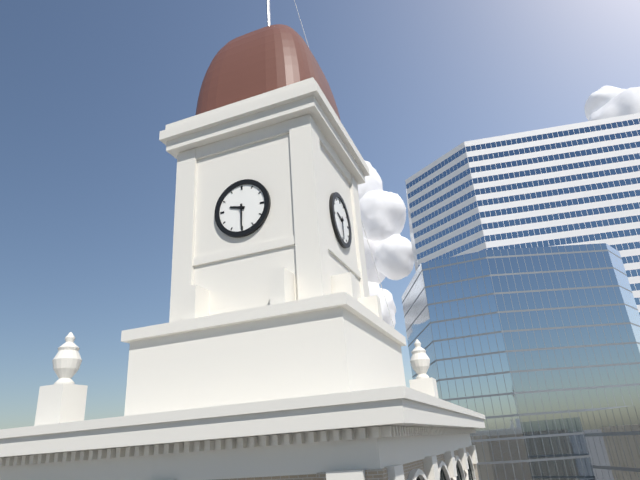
9,30
